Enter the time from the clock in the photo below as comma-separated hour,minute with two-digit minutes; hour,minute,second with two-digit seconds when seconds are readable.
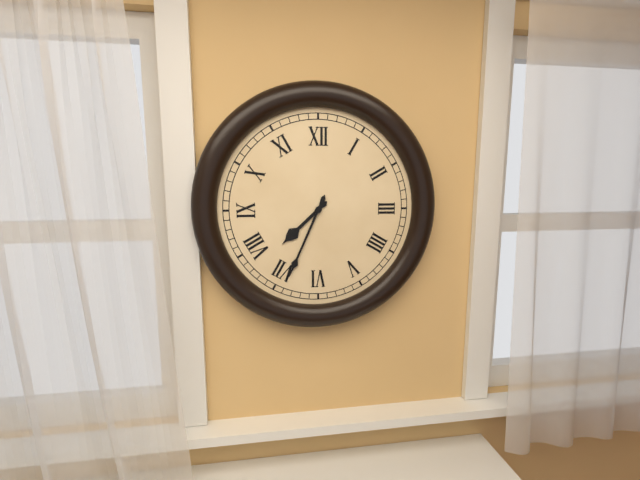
7,34
